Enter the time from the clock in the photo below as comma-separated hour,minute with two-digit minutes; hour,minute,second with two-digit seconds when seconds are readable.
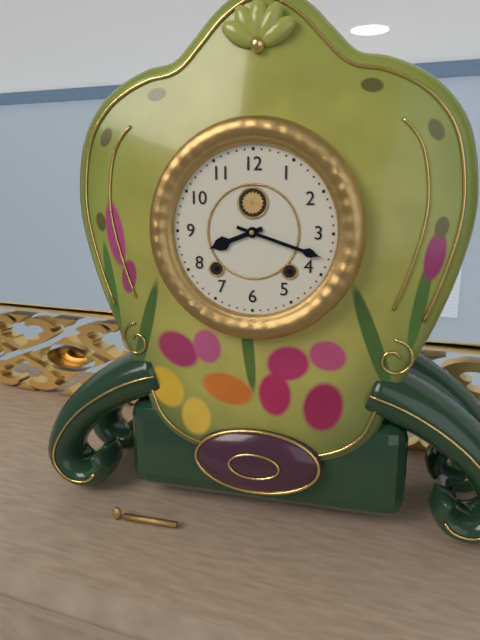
8,18
